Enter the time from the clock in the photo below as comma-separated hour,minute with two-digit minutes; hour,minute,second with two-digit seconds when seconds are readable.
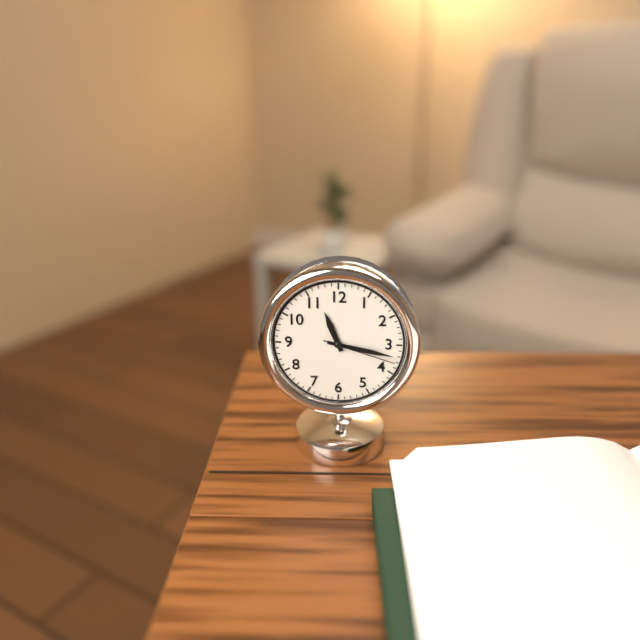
11,17,18
